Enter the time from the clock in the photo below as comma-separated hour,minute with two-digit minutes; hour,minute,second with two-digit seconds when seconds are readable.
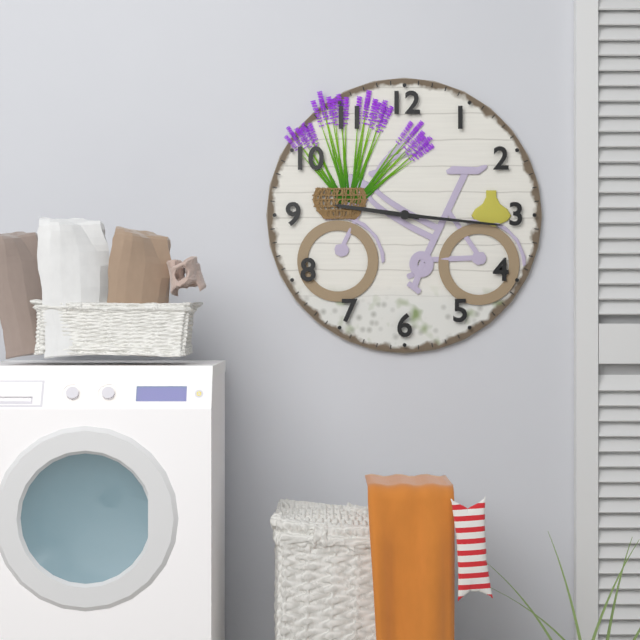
9,16
